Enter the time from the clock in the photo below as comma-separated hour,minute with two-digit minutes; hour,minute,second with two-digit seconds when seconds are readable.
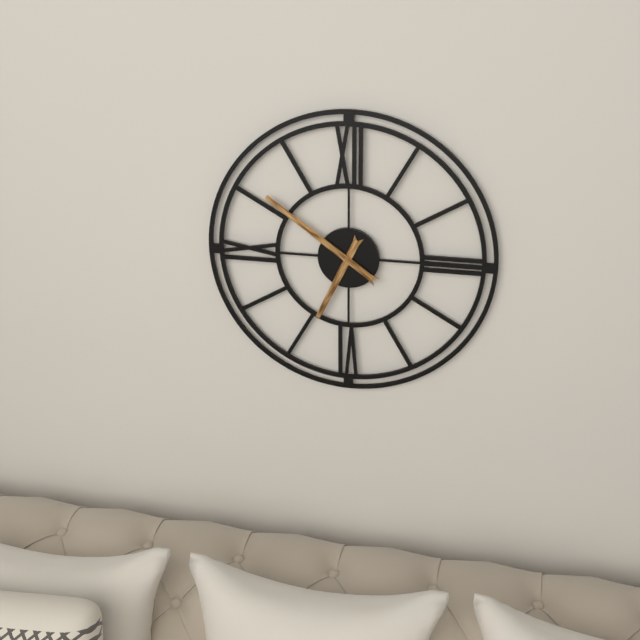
6,51
